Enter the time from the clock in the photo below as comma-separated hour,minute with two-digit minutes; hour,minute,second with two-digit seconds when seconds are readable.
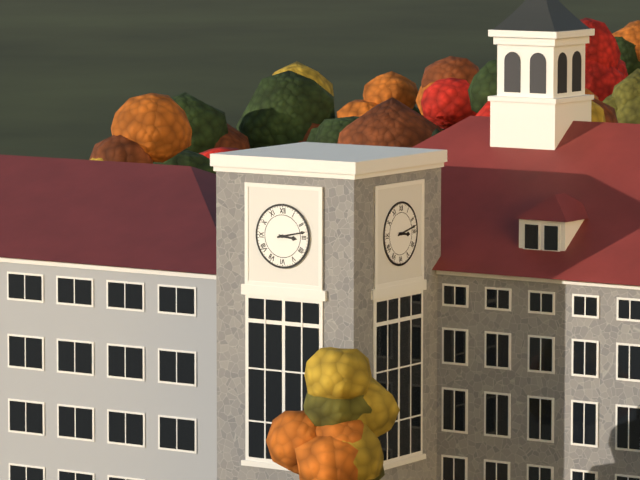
3,13
